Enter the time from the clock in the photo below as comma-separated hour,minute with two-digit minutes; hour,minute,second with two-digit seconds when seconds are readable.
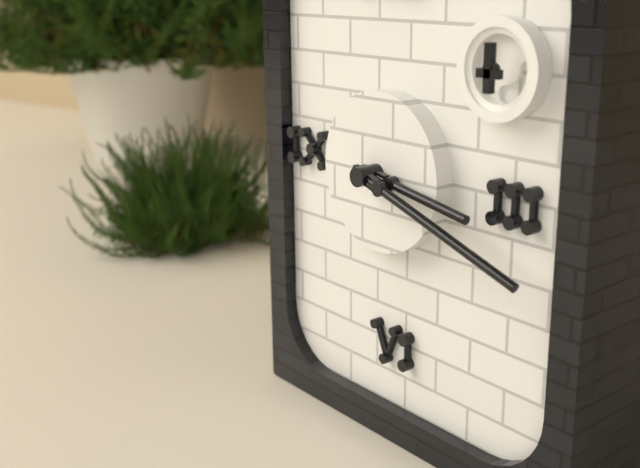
3,18
